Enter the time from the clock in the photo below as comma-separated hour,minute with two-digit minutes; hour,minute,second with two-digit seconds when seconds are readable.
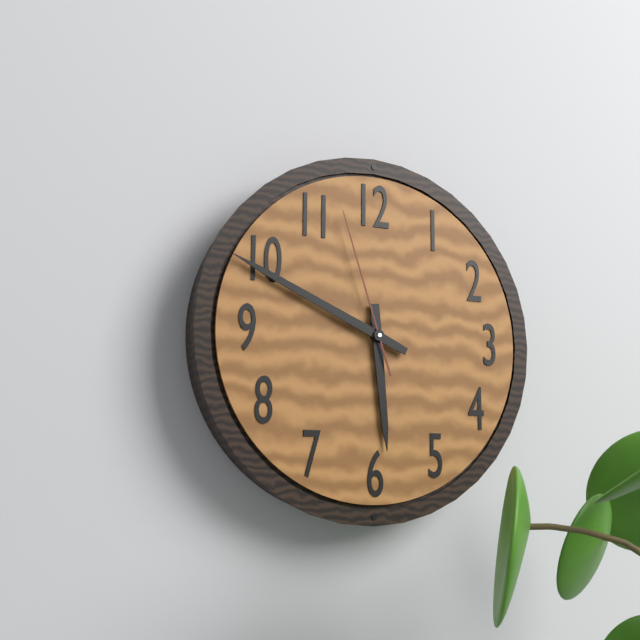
5,49,57
